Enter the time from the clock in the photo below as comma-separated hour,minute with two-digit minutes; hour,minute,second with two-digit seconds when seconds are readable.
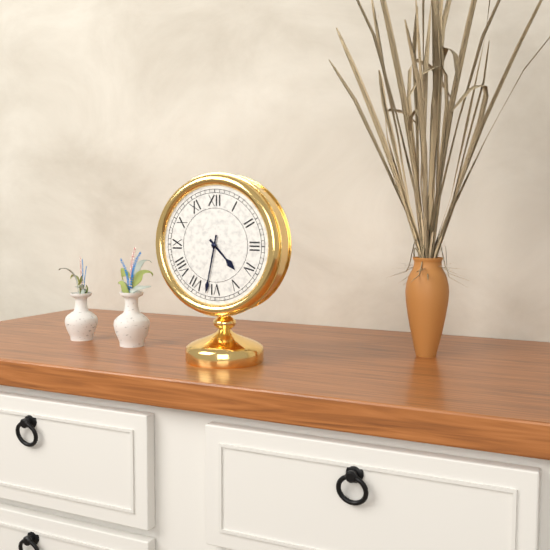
4,32
